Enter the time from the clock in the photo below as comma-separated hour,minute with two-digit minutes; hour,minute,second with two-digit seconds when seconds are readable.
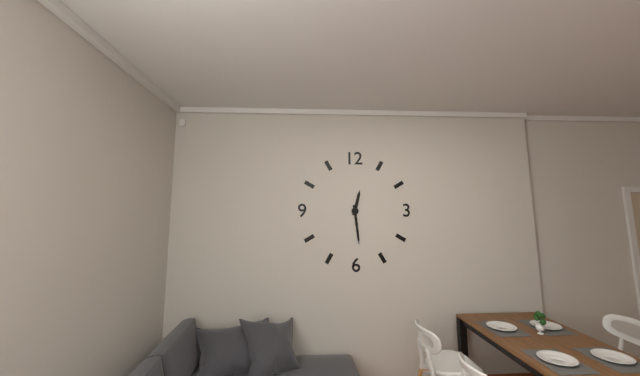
12,29
